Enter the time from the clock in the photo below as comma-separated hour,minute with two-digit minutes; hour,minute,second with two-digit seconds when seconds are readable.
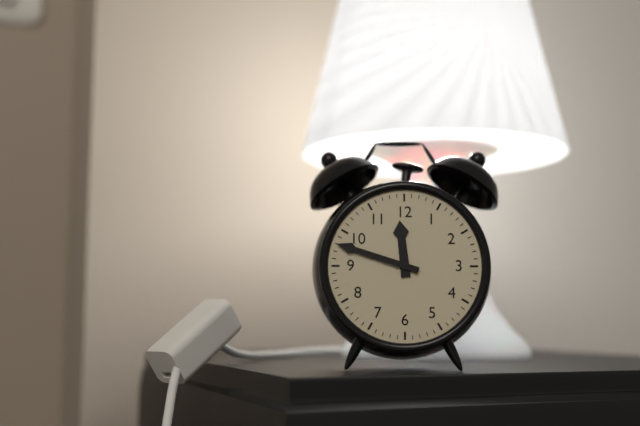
11,48
